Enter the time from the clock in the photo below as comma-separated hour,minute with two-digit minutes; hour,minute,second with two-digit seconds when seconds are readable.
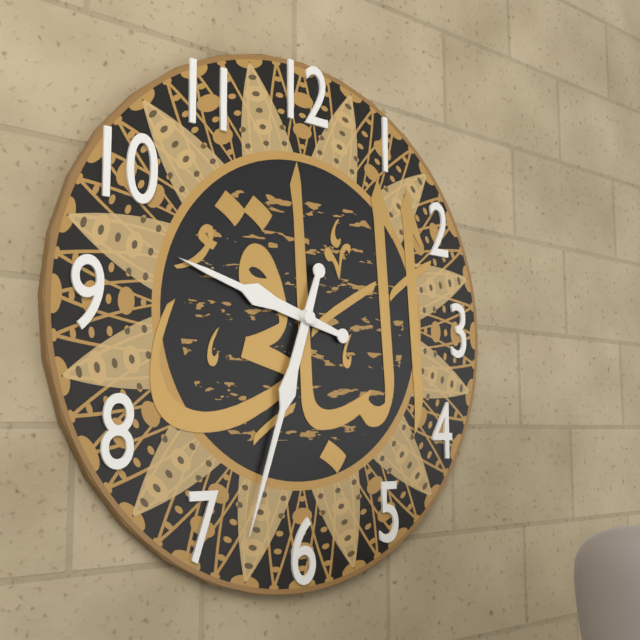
9,33
